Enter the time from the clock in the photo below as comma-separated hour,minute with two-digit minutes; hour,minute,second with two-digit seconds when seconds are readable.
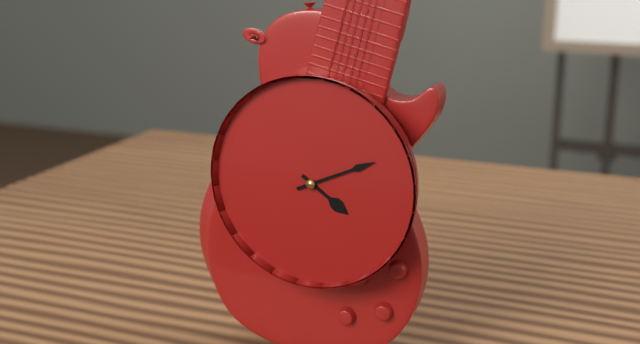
4,11
